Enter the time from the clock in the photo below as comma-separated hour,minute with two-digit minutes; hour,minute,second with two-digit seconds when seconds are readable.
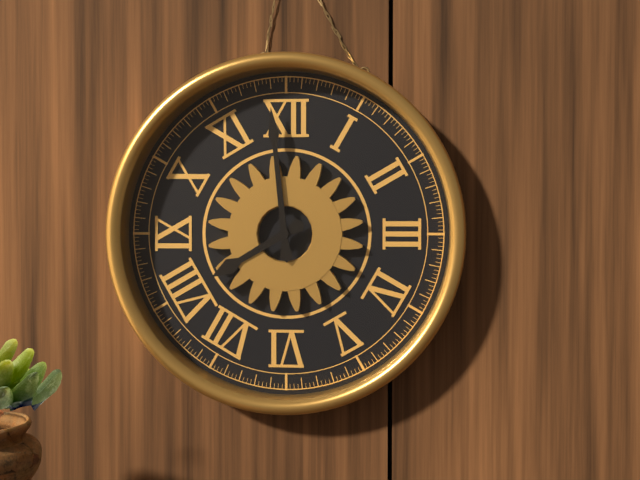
7,59
